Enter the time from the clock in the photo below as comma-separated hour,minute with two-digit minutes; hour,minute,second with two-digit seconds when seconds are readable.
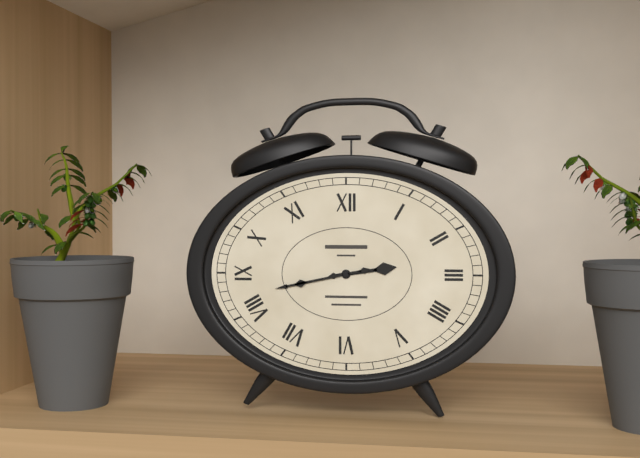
2,43
